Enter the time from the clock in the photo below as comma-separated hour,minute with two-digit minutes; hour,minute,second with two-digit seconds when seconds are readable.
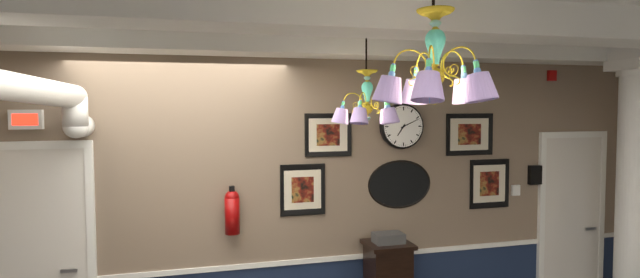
7,11
